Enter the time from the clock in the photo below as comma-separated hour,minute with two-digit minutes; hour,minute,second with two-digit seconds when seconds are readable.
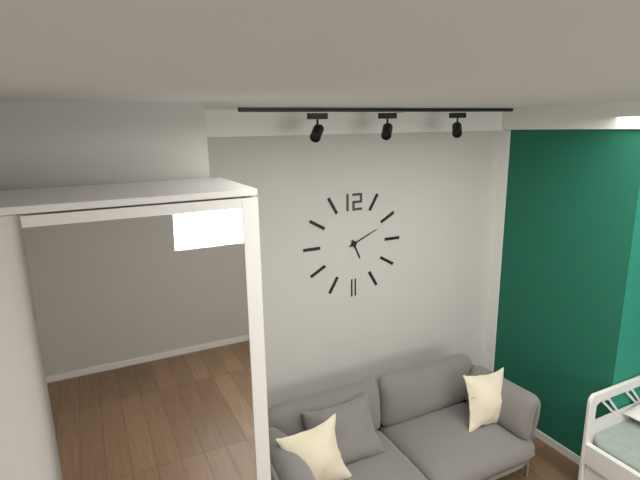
5,11
